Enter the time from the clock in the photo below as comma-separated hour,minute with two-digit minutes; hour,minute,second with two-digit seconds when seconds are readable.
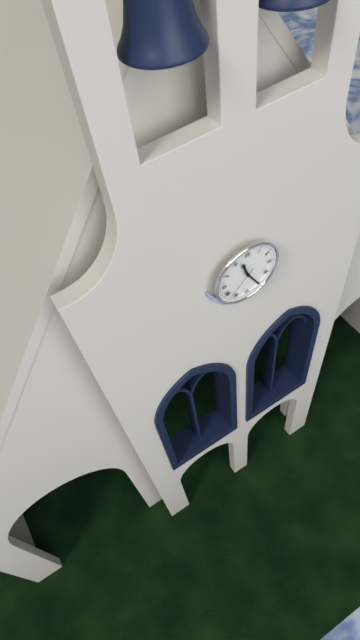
11,25
